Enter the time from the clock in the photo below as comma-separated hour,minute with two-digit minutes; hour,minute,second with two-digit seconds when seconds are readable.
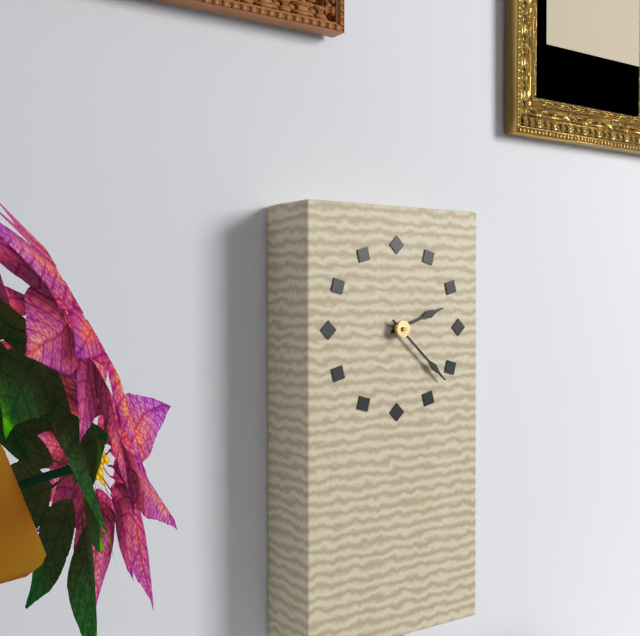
2,22
